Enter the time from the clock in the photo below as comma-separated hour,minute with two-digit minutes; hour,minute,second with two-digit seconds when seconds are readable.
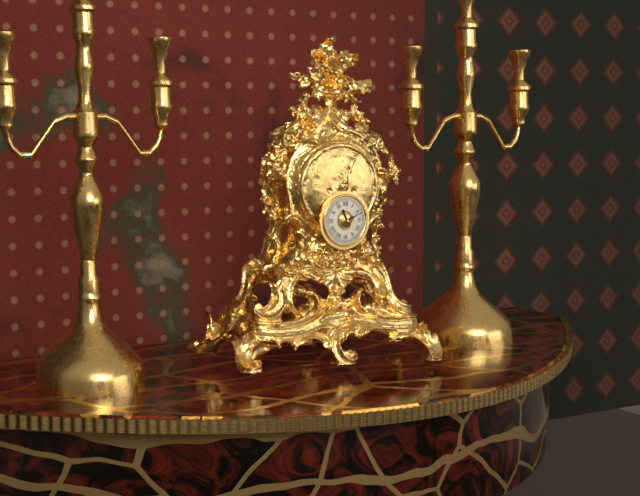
11,11
